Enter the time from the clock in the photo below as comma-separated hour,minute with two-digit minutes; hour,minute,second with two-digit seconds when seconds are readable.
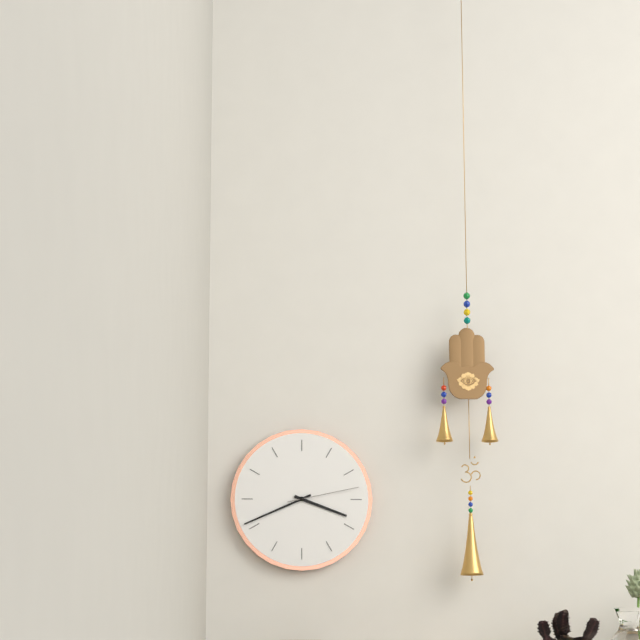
3,41,13
